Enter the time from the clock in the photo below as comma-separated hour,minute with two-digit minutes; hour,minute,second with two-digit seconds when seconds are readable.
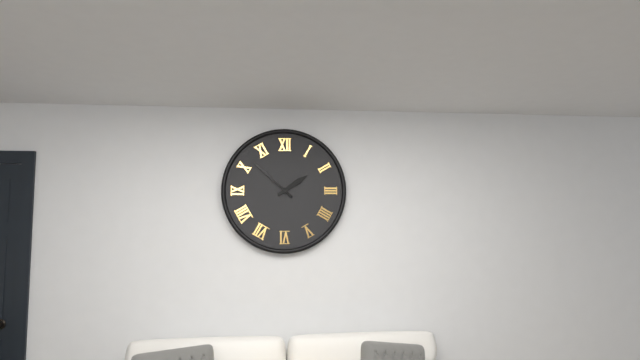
1,52
